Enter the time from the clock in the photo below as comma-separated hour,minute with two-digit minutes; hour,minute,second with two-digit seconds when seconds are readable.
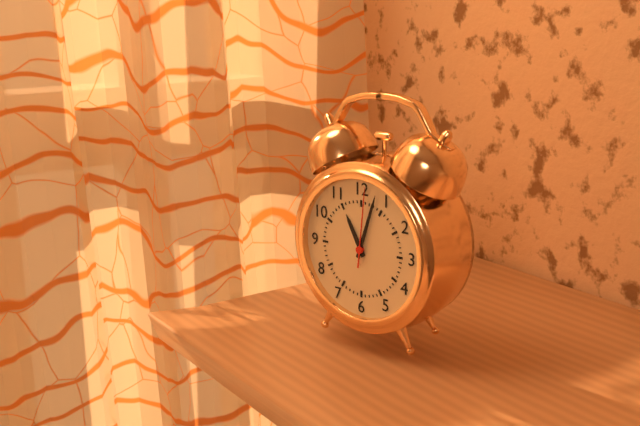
11,03,01
